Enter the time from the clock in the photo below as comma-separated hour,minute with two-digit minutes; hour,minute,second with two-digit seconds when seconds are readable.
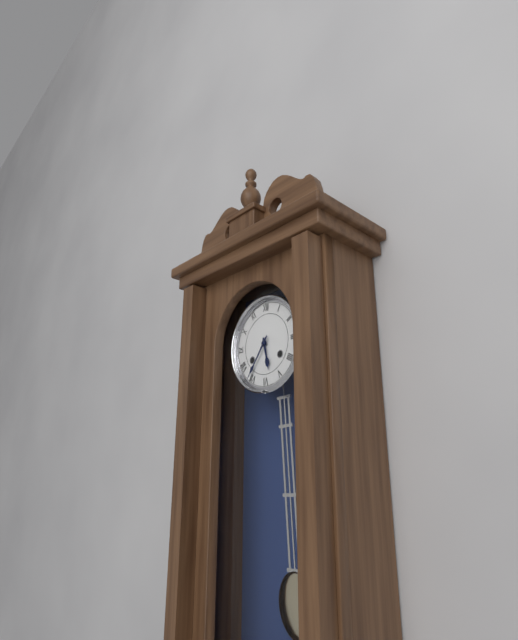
5,36
